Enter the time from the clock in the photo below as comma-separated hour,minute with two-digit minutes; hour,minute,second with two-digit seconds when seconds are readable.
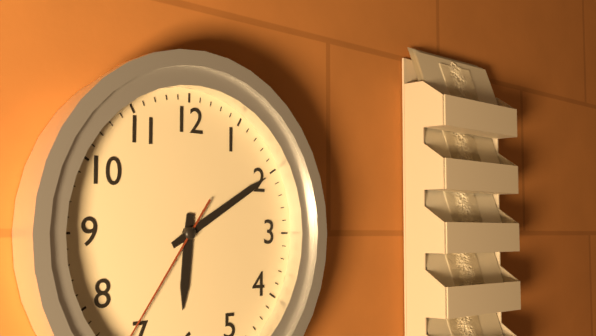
6,10
